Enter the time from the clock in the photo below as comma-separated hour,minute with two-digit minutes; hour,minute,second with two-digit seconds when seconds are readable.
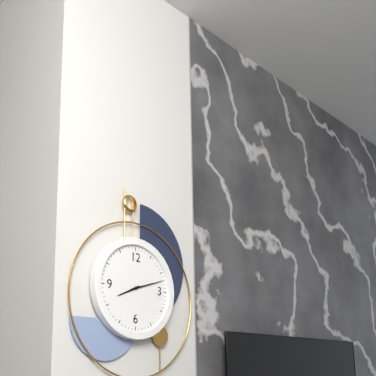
8,12
